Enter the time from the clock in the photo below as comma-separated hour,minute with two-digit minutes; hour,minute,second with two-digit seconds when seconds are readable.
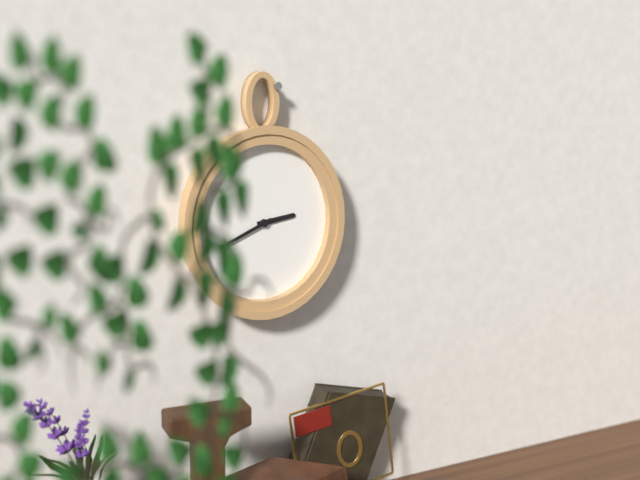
2,41
